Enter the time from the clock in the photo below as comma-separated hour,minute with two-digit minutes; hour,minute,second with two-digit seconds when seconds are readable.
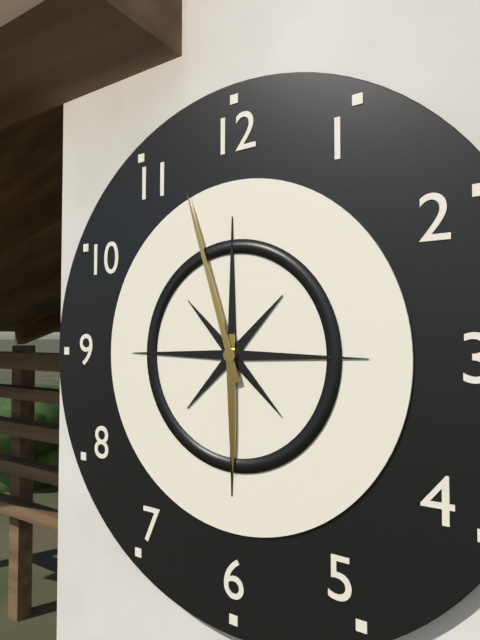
5,57
